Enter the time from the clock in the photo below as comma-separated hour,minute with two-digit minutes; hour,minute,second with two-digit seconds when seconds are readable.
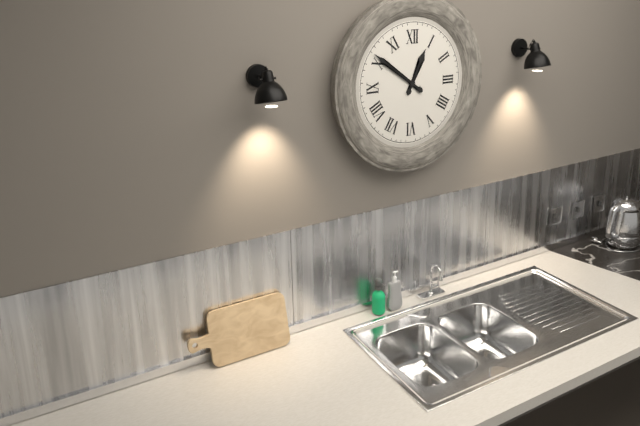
12,51
